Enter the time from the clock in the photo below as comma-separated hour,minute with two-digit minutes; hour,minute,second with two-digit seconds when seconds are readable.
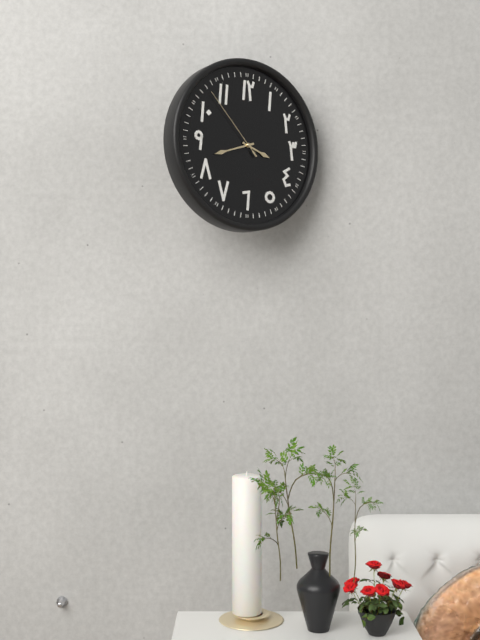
3,42,53
